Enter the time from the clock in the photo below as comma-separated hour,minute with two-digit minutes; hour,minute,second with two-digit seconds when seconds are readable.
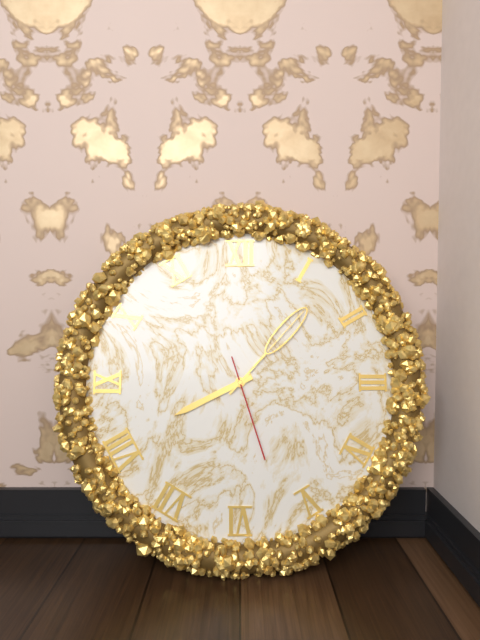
8,07,27
